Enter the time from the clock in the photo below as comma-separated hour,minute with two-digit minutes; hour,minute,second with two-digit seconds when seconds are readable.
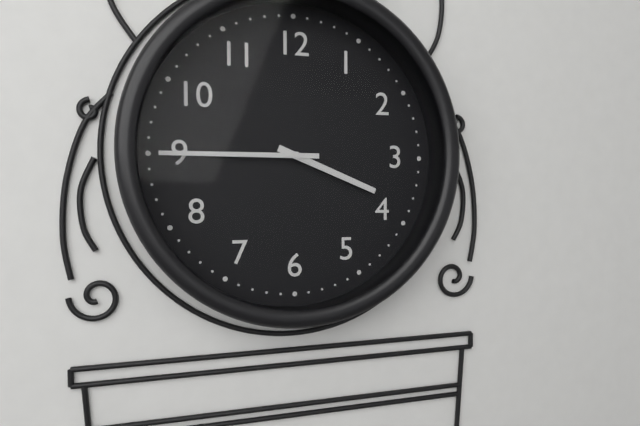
3,45
